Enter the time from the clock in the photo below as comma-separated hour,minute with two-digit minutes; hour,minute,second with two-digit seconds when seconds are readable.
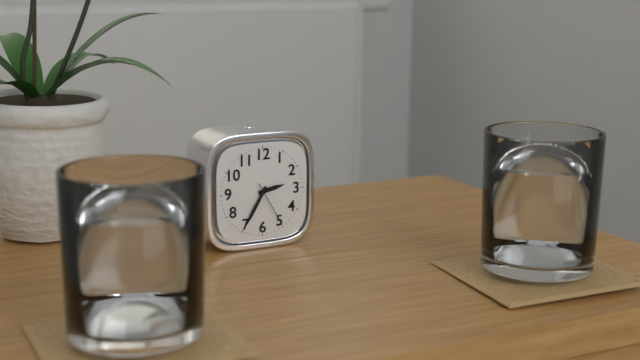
2,35
